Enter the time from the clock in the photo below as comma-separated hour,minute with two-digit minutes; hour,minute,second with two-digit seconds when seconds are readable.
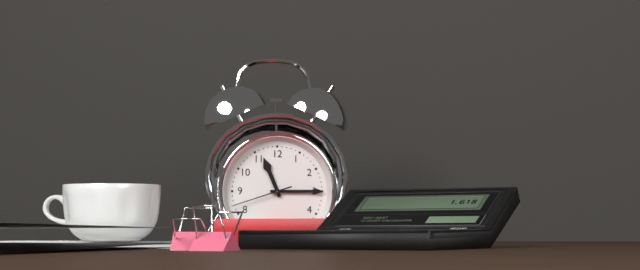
11,15,42
